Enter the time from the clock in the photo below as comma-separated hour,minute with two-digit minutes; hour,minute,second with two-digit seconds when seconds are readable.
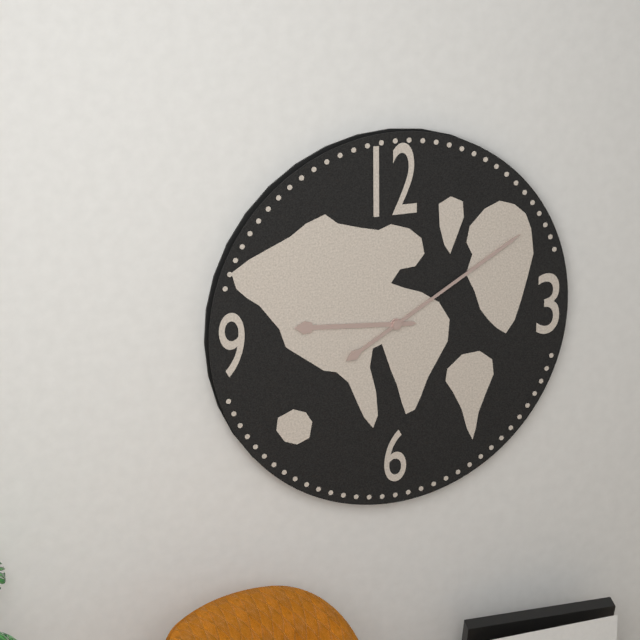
9,10
